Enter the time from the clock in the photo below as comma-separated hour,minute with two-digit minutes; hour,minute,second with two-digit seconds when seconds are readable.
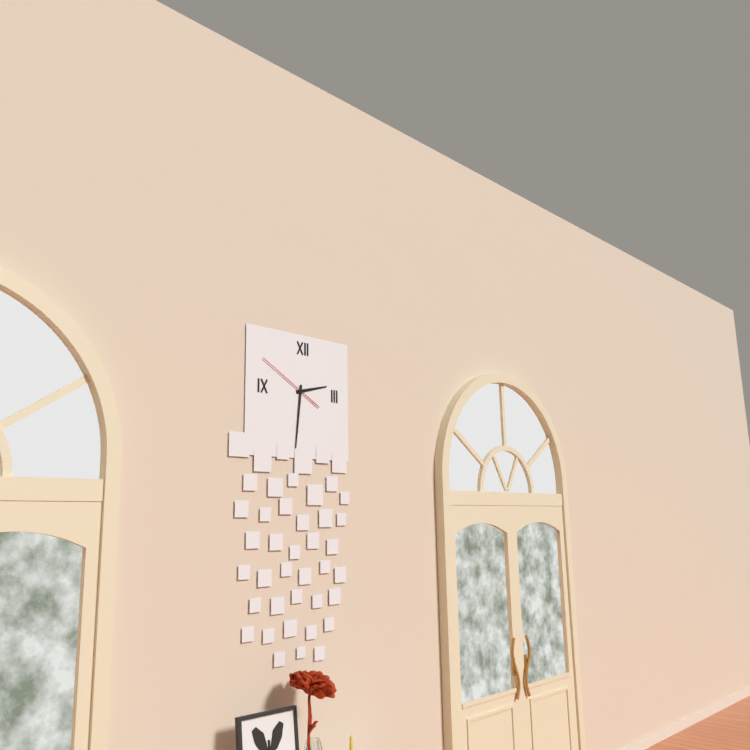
2,31,50
